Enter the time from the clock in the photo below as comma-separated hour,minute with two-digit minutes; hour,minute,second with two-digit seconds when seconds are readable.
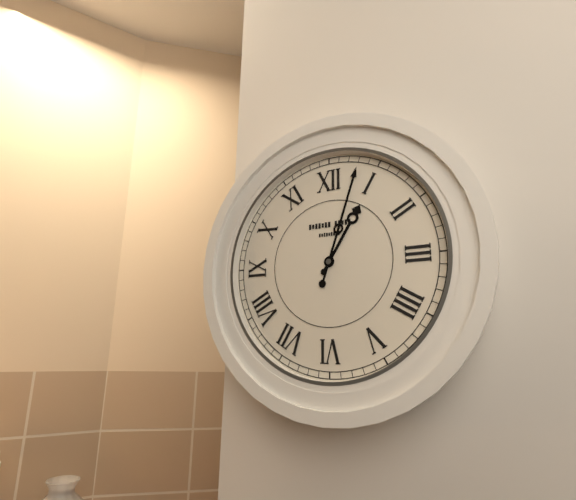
1,03
